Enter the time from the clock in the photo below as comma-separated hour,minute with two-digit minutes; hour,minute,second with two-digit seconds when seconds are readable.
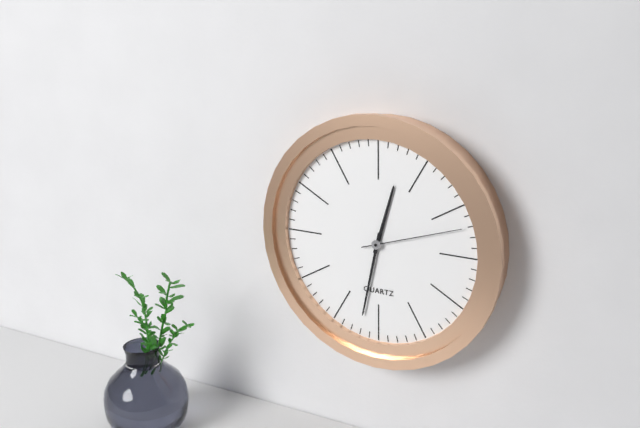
12,32,12
